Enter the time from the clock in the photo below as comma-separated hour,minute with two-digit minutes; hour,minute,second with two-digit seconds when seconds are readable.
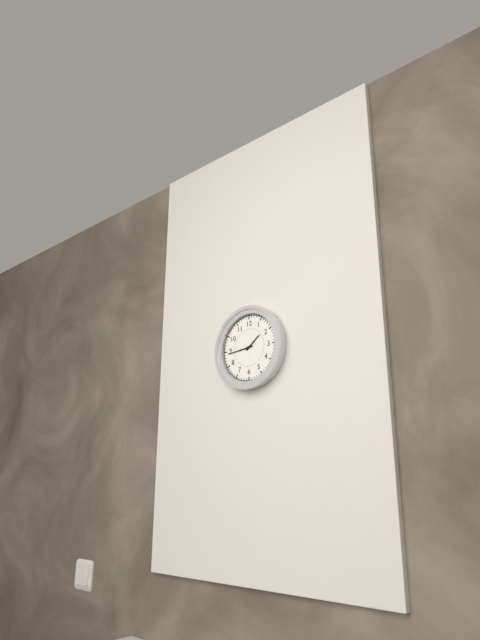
1,44
